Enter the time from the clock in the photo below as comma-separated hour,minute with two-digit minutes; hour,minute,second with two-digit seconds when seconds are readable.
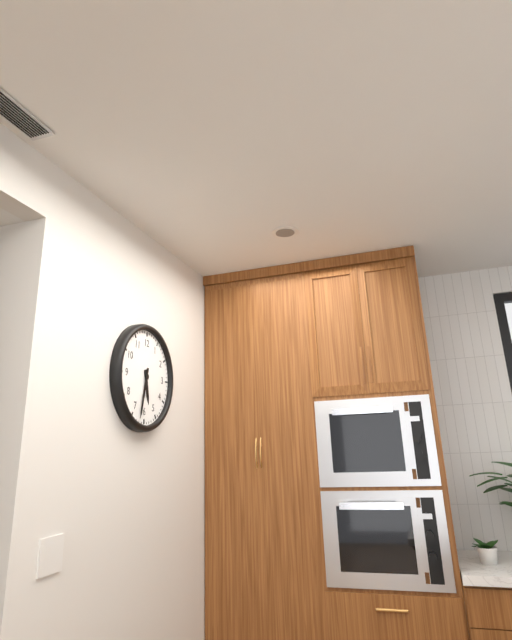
5,32
